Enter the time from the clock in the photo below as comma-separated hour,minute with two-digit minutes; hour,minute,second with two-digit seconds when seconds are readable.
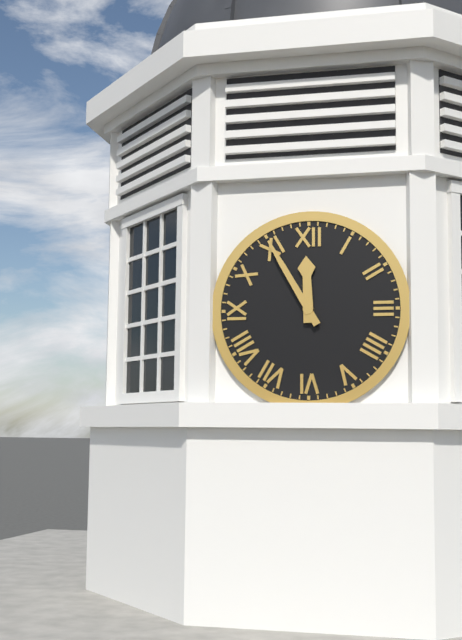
11,55
